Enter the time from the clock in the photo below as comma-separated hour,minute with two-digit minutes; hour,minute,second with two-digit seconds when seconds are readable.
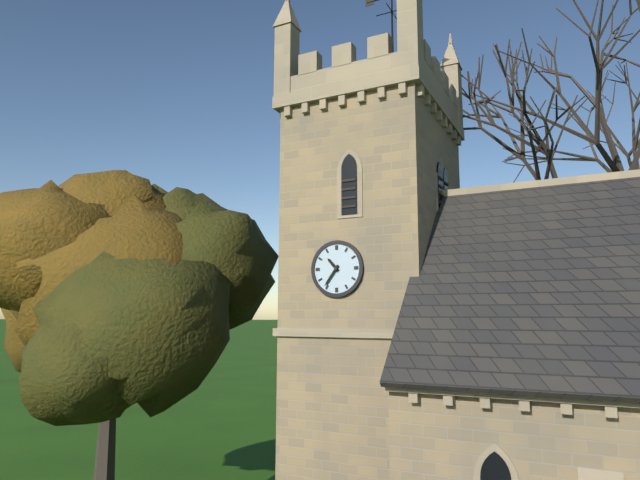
10,36
